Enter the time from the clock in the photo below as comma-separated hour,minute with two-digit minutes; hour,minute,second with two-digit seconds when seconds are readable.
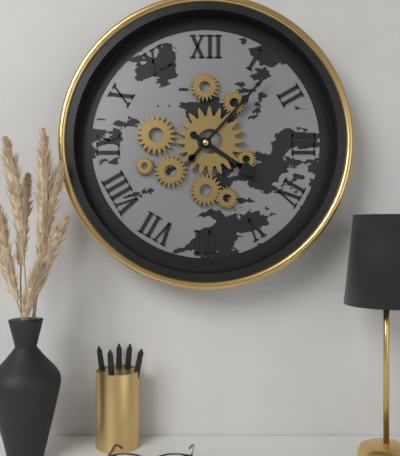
4,07
